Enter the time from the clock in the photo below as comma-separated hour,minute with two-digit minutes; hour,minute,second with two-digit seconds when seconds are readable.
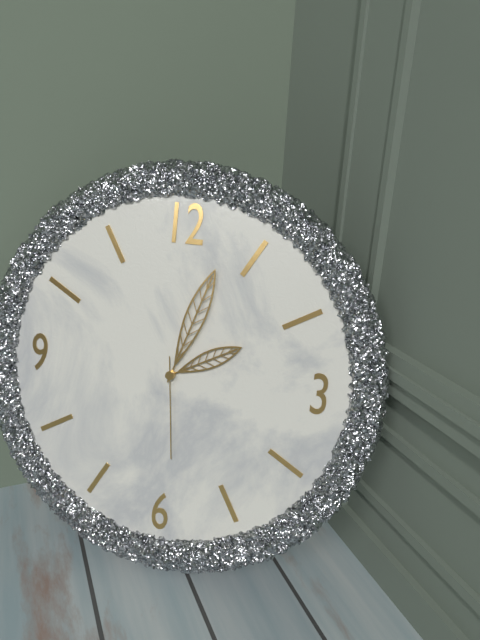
2,03,29
